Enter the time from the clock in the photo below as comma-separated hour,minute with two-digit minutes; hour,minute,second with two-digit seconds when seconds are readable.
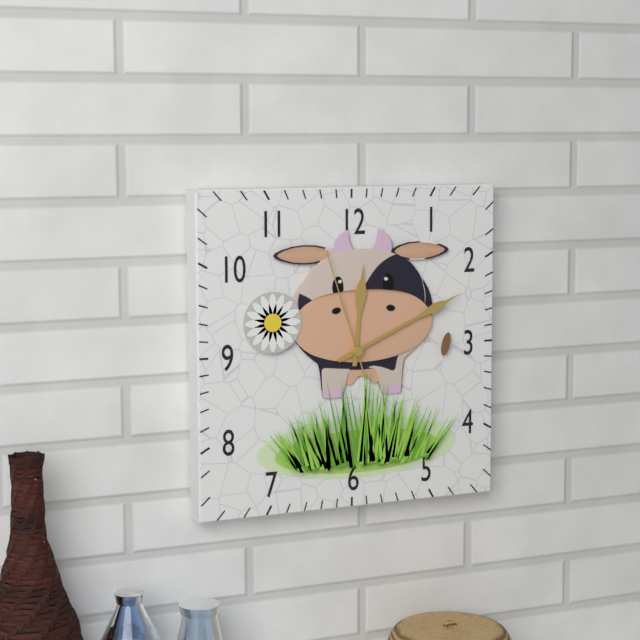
12,11,57
